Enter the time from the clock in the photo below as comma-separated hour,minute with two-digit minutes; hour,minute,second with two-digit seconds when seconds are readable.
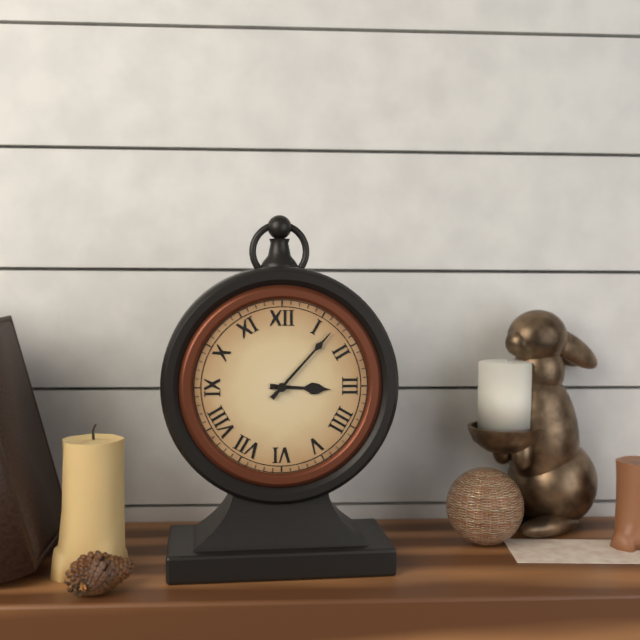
3,07
